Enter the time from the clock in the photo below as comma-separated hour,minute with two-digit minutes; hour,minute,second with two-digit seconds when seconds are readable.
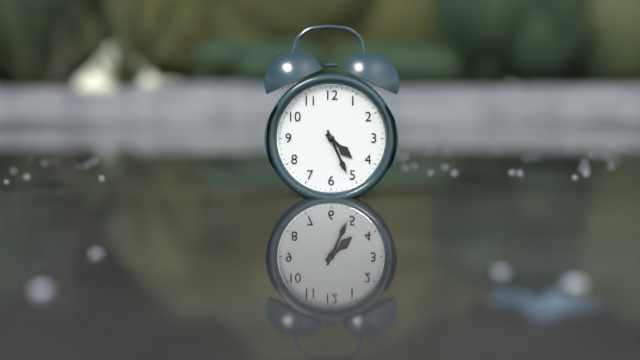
4,26
